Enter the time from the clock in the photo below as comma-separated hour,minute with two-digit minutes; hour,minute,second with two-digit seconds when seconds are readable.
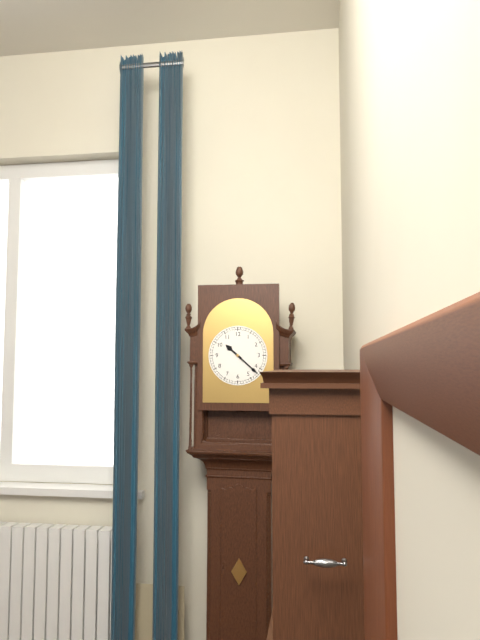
10,22
